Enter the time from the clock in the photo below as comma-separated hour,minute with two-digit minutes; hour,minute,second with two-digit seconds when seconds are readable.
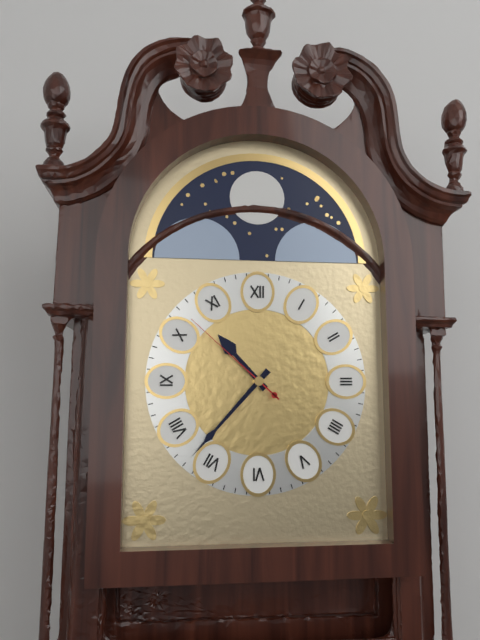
10,37,52
